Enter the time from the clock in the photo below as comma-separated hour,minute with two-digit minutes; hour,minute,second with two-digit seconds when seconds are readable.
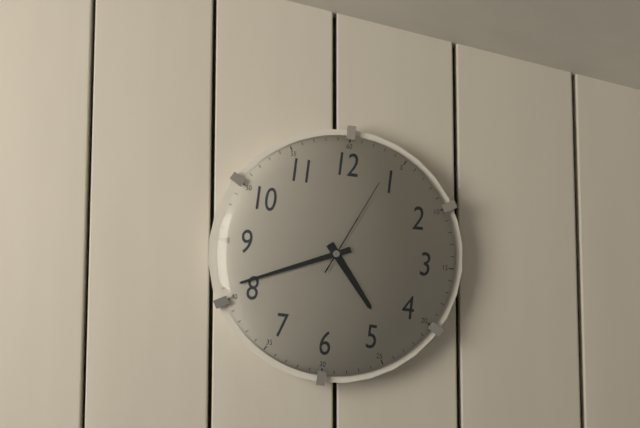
4,41,04
